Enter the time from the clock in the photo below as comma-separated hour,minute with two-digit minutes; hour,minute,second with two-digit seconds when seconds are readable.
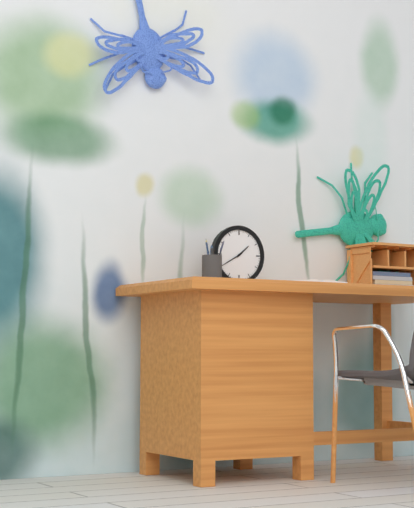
1,40
